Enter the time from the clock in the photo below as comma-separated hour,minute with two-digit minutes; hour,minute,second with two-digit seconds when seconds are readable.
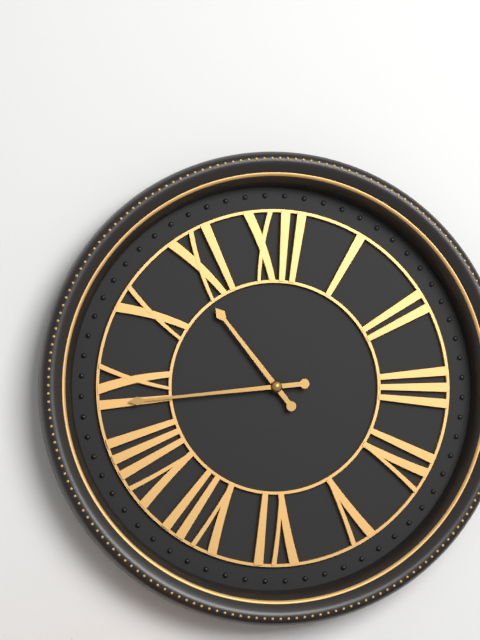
10,44
